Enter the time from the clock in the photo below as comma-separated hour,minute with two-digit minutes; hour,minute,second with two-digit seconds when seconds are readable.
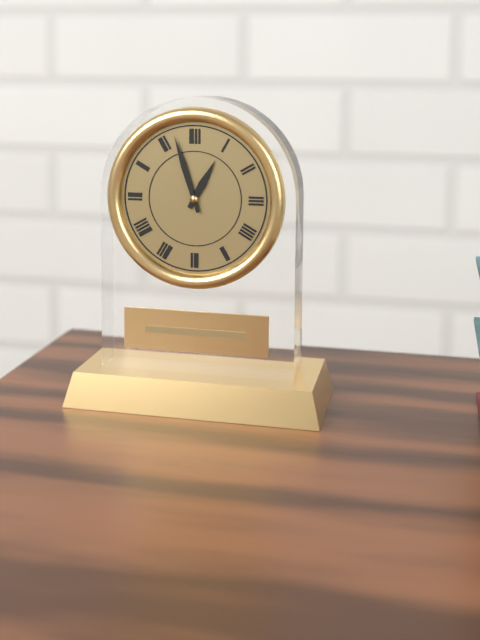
12,57
